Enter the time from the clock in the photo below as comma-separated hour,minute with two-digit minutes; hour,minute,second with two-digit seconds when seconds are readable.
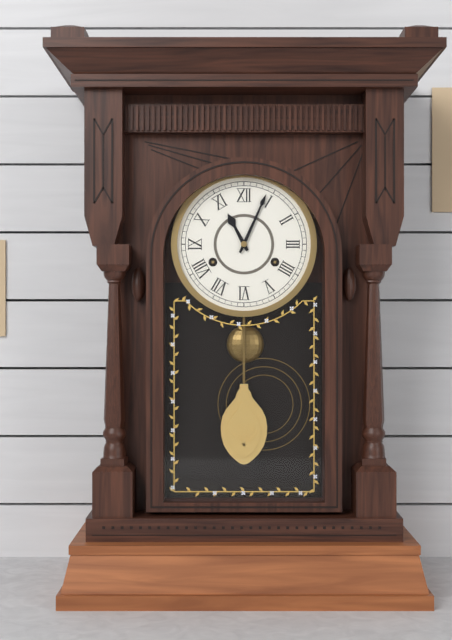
11,04
